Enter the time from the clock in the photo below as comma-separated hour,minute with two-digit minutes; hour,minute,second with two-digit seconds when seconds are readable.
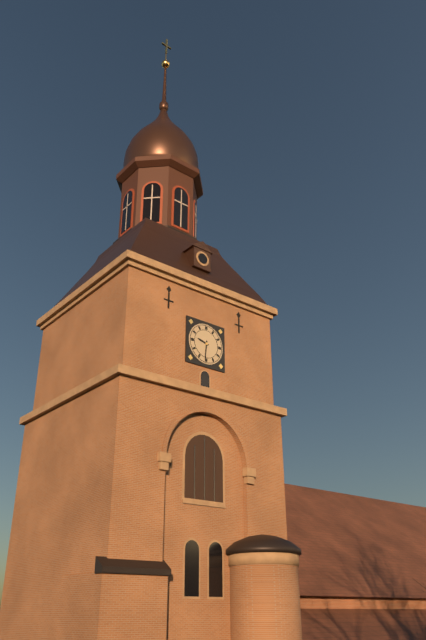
9,31
